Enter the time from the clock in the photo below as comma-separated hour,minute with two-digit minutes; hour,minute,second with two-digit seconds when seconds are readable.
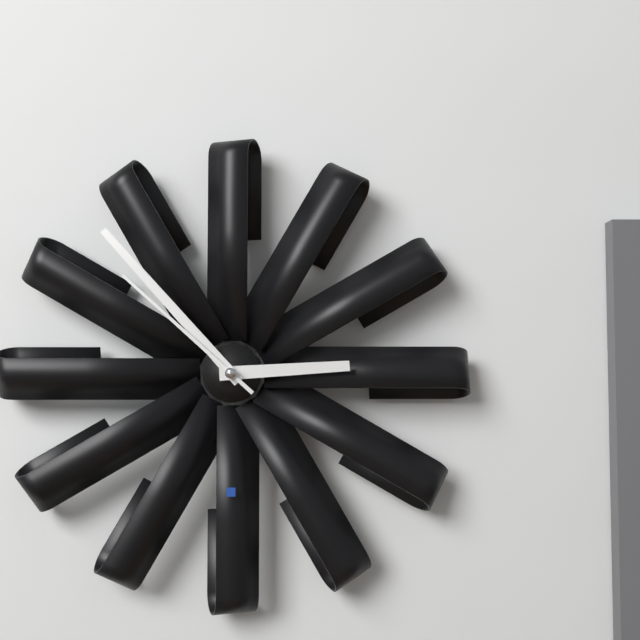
2,53,52
